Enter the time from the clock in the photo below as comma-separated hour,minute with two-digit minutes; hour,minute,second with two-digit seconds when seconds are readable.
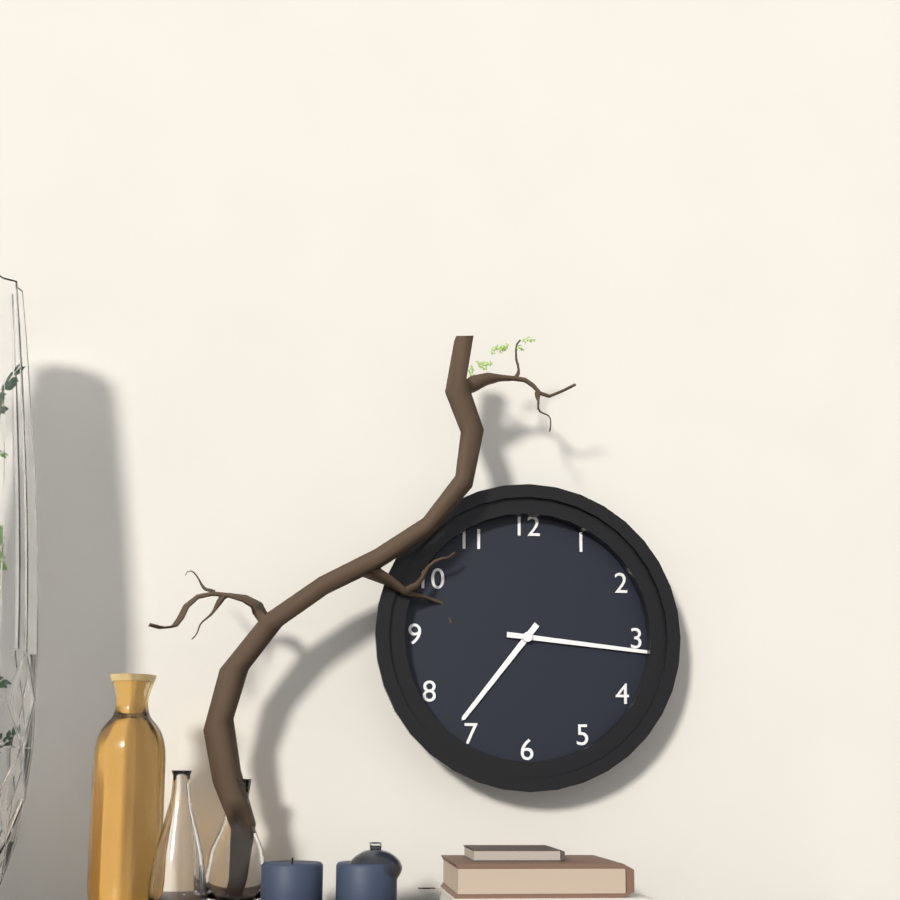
7,16
